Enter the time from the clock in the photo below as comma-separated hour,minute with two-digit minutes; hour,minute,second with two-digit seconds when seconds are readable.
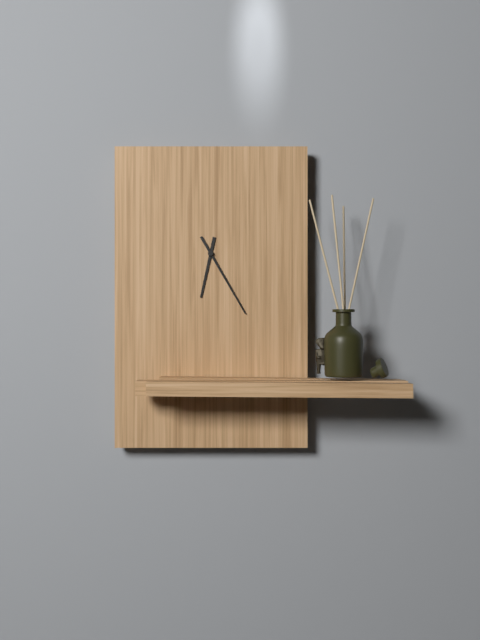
6,25
